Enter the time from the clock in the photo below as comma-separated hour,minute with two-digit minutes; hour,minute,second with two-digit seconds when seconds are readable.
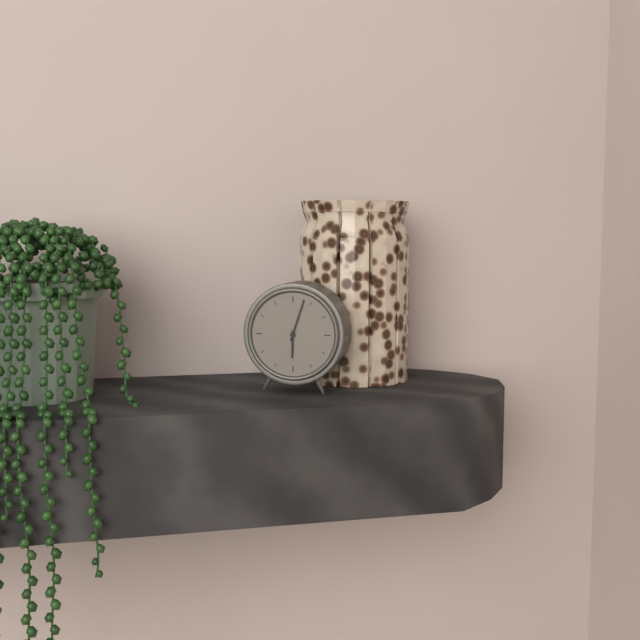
6,03
